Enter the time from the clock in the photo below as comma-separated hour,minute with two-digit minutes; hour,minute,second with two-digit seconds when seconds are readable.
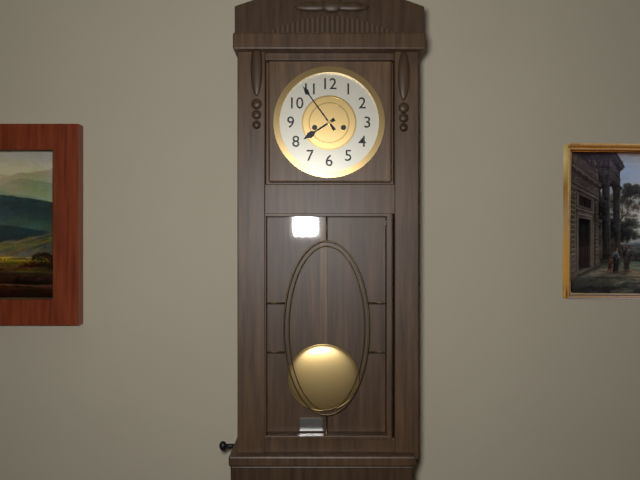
7,54
